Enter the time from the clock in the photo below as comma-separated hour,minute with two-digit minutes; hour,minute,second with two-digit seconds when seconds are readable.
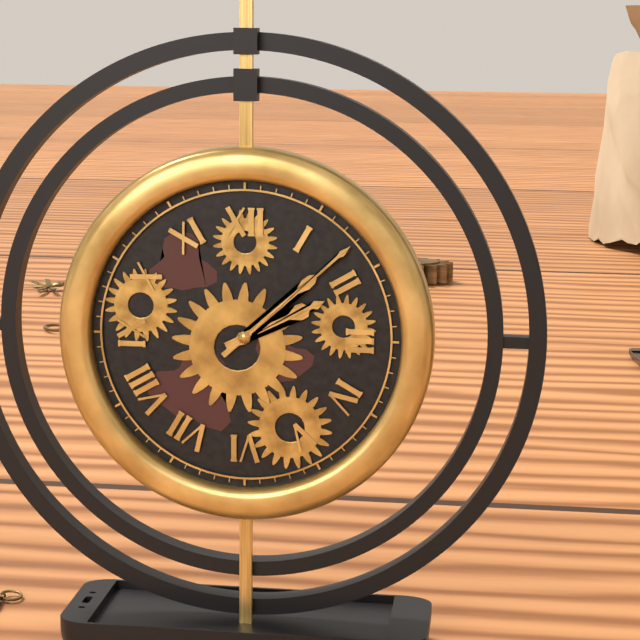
2,08
